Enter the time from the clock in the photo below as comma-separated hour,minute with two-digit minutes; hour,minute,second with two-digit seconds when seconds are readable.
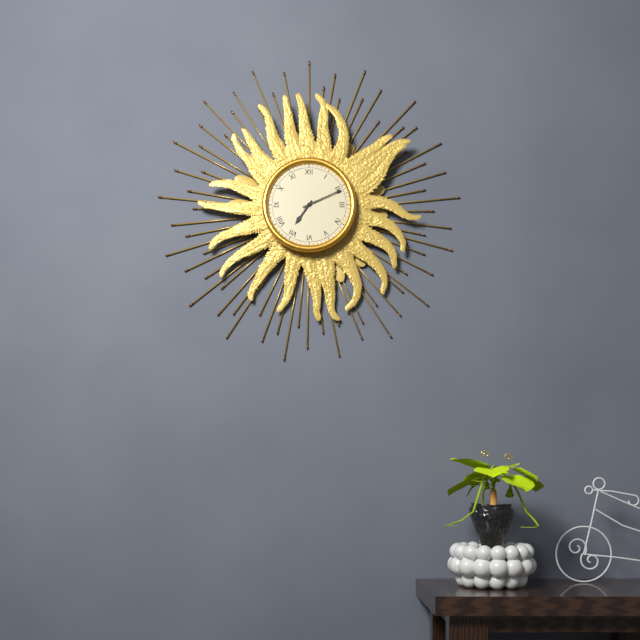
7,11
